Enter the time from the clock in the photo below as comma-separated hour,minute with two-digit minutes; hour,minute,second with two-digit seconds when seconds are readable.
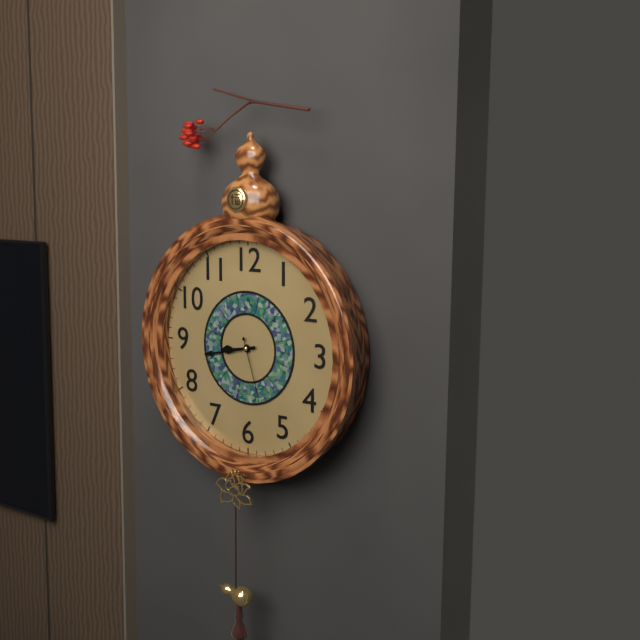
8,43,27
